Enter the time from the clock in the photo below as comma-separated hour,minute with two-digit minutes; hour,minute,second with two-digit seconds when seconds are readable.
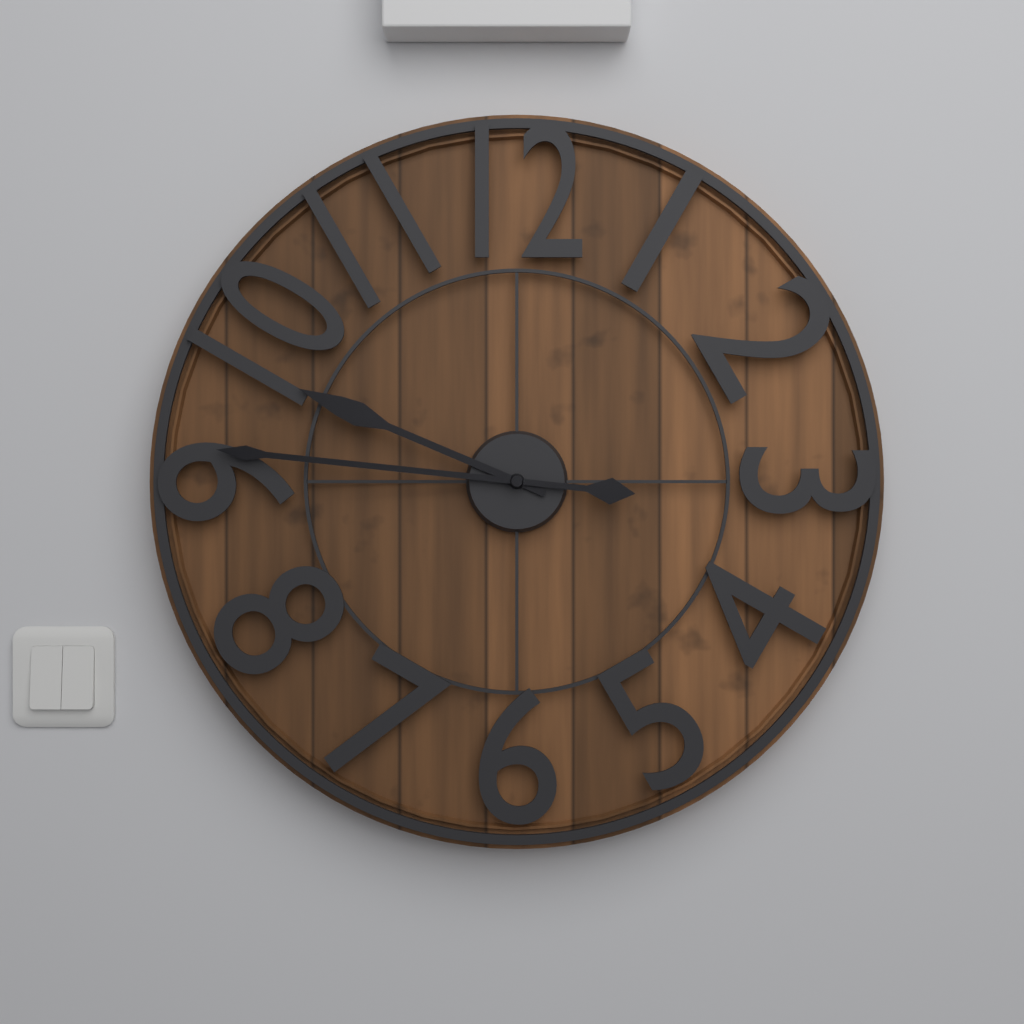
9,46
